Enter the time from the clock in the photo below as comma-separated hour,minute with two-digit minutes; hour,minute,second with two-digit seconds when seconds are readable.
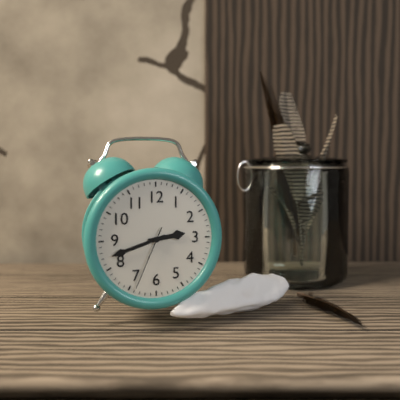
2,42,34
